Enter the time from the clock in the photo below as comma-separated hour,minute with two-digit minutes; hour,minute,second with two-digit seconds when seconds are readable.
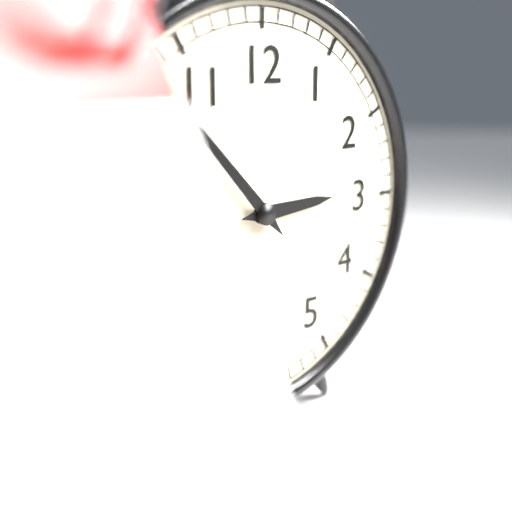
2,53
